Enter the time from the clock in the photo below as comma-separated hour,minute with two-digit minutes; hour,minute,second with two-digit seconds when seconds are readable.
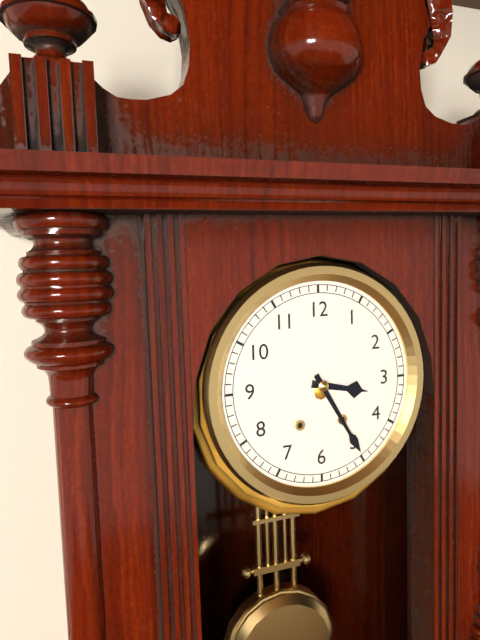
3,25
